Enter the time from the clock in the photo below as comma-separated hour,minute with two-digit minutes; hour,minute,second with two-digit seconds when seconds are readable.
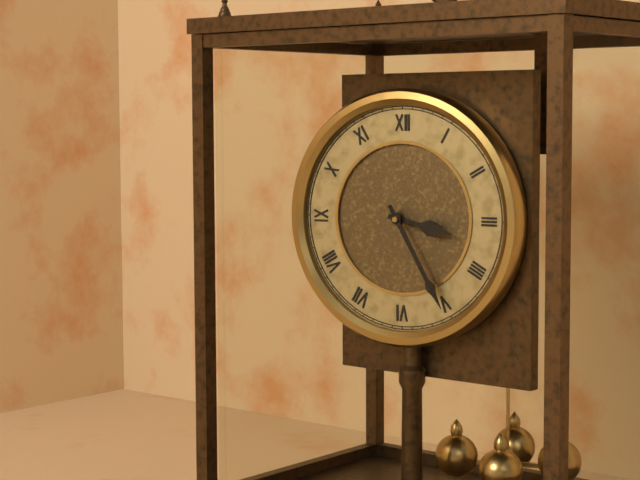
3,25
